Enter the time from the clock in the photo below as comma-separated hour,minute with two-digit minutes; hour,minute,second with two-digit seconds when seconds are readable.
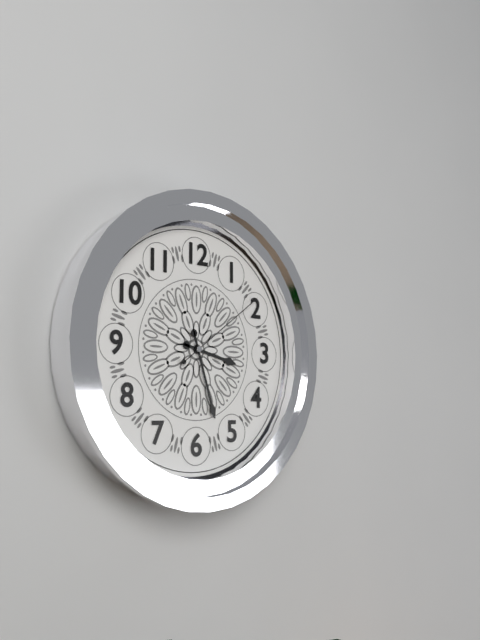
3,27,09
